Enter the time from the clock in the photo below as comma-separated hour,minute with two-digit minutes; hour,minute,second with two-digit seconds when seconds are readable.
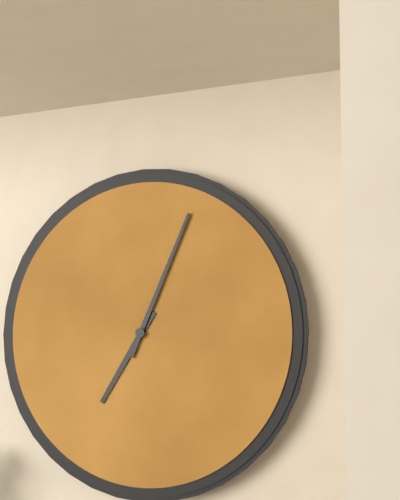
7,04
